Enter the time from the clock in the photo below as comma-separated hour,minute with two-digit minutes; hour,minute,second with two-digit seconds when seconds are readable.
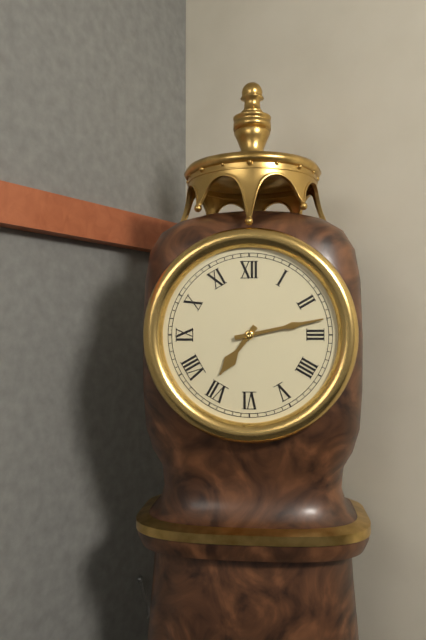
7,13
